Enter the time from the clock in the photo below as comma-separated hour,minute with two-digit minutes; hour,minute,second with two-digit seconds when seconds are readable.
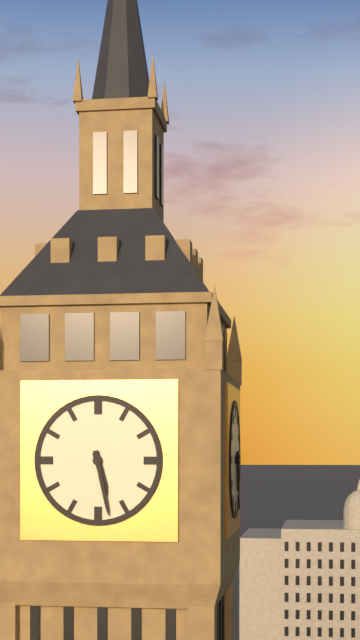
5,28
